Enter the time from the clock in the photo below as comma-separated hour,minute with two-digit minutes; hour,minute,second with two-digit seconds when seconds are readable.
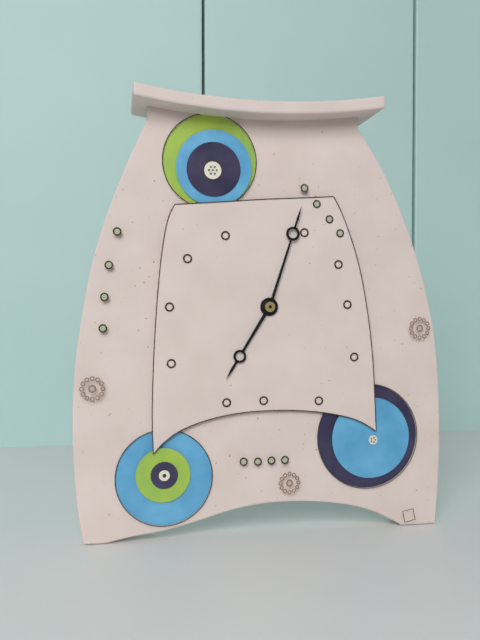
7,03
